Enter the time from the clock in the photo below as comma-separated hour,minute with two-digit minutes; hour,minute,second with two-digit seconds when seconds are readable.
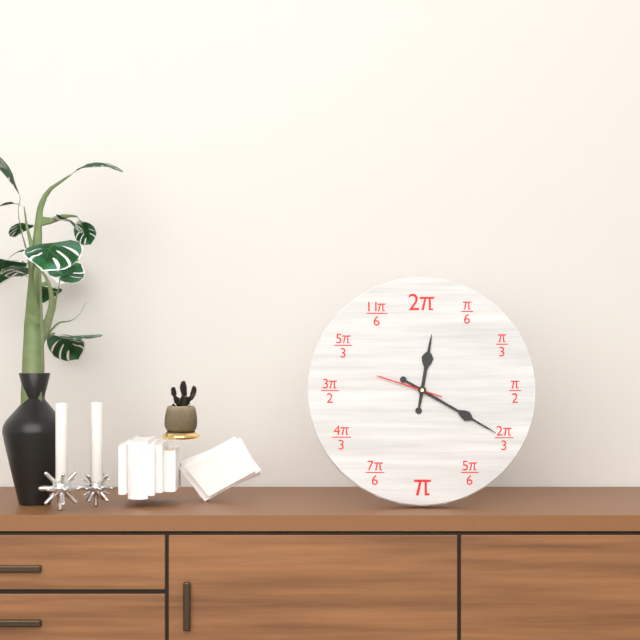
12,20,48
